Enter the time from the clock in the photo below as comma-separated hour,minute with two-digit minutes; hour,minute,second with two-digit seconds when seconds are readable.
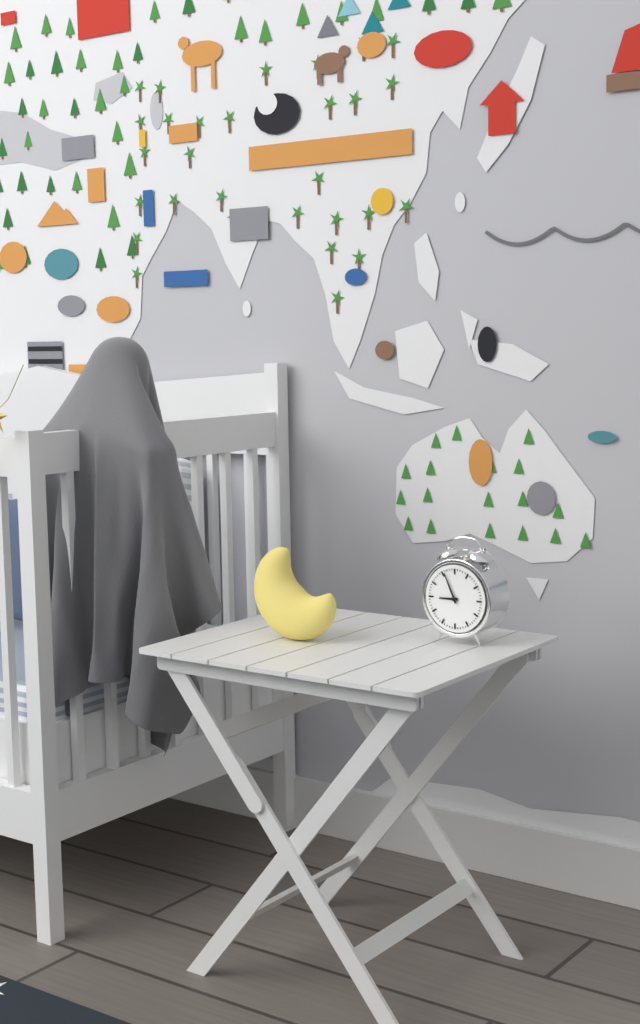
8,56
